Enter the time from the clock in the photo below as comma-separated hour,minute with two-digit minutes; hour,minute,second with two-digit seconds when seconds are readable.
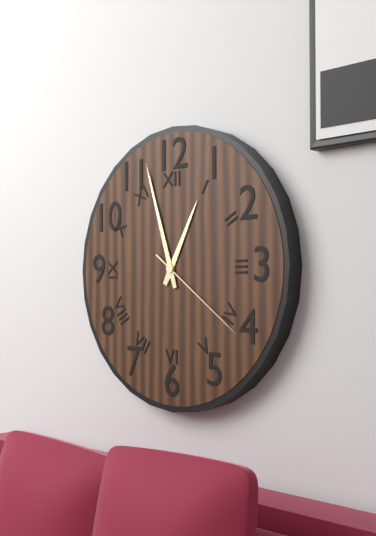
12,57,21
